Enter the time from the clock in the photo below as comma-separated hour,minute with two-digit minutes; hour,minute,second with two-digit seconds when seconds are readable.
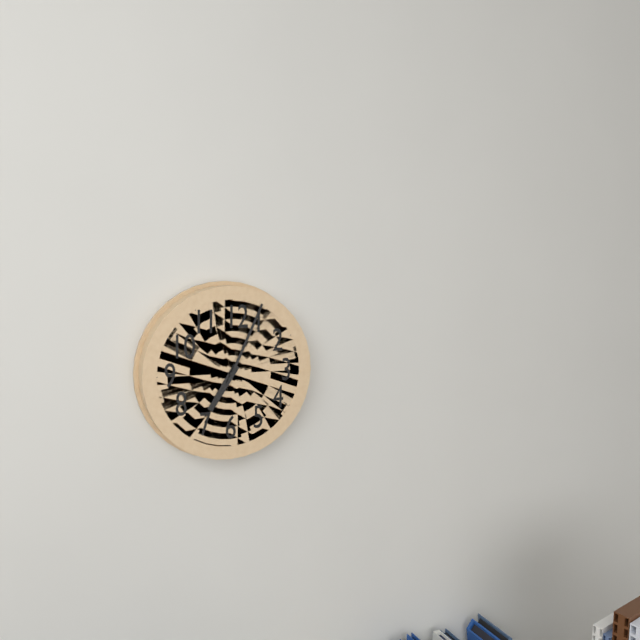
7,04
